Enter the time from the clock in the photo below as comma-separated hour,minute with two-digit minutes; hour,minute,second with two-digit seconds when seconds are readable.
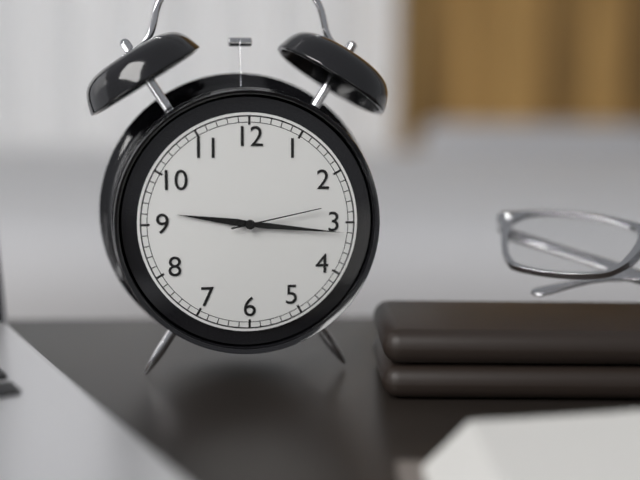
9,16,13
